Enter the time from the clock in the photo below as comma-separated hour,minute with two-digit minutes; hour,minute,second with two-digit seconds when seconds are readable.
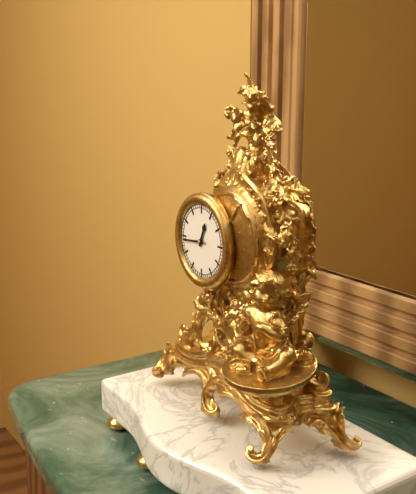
12,44
